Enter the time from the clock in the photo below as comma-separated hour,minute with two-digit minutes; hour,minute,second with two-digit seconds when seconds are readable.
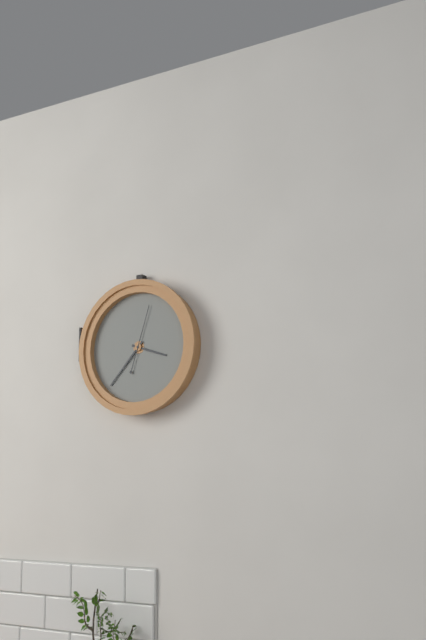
3,37,03
